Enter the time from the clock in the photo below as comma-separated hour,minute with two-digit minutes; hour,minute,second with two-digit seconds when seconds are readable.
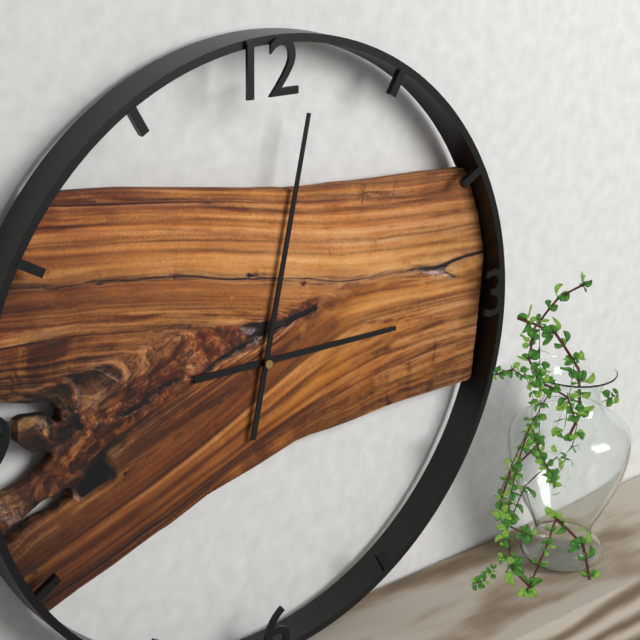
3,02
